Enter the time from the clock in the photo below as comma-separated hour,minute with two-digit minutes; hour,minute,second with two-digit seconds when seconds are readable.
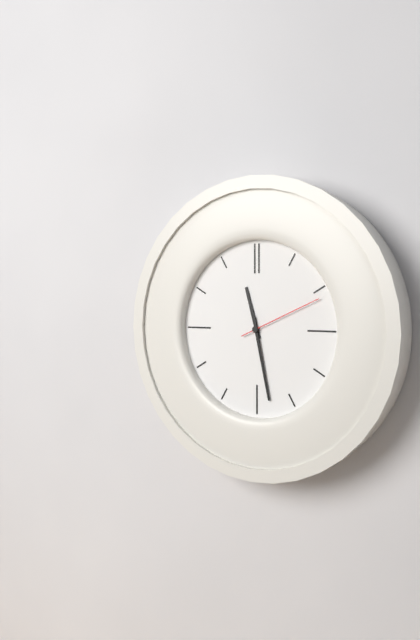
11,28,11
